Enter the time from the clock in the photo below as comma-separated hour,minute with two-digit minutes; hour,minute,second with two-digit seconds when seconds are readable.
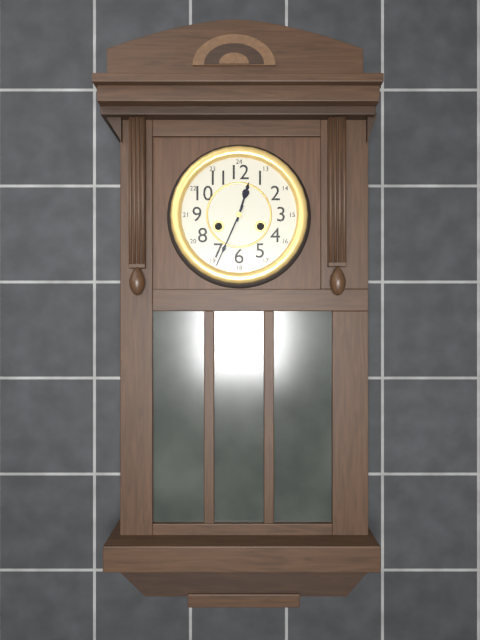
12,34
